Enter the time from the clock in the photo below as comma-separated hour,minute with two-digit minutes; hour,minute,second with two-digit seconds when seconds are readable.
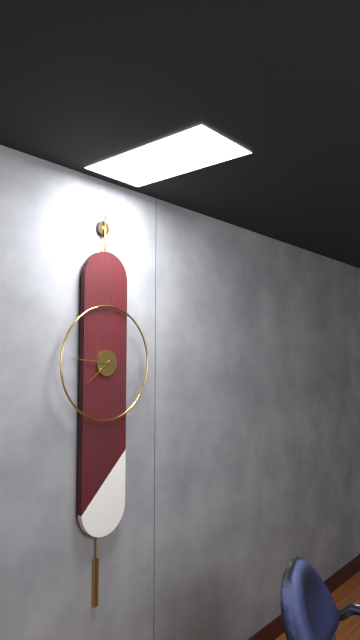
7,46
